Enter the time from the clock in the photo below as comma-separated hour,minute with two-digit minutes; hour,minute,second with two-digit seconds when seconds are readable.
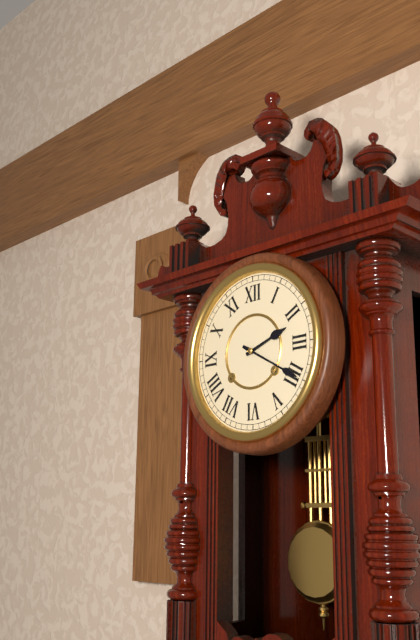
2,20
